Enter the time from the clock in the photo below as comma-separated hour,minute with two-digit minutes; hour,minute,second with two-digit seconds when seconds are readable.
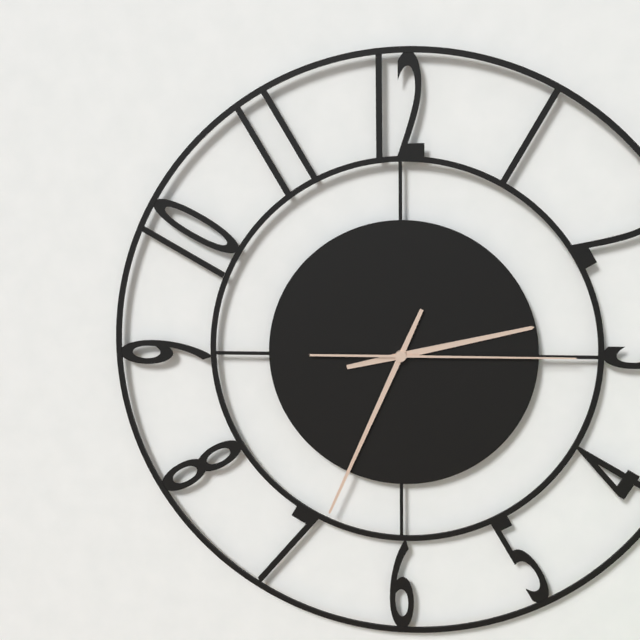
2,34,15
